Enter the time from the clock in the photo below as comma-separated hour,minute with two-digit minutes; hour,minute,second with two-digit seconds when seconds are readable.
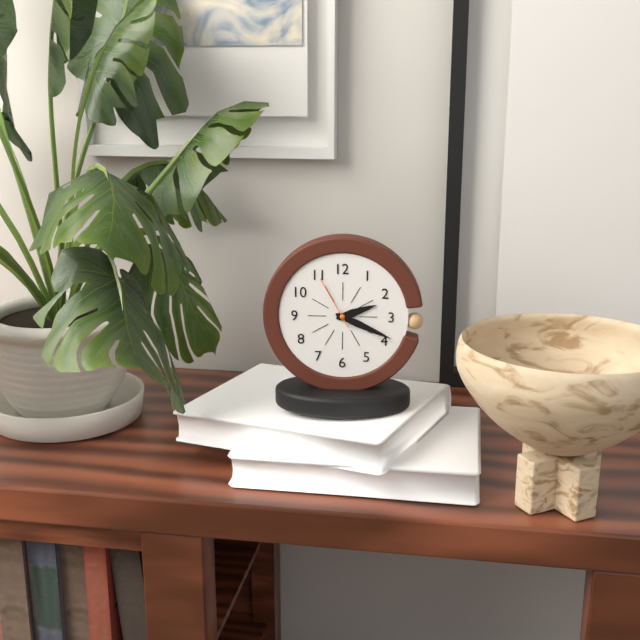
2,19,55
